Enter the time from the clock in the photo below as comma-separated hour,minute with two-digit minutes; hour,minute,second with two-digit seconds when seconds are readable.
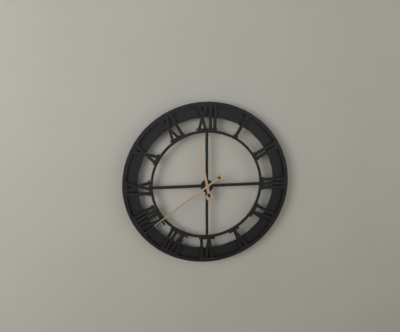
11,39
